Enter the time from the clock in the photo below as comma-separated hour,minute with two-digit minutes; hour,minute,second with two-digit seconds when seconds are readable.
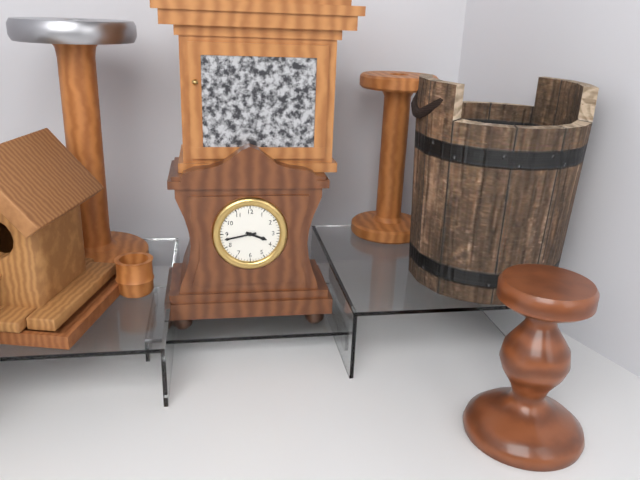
3,43
